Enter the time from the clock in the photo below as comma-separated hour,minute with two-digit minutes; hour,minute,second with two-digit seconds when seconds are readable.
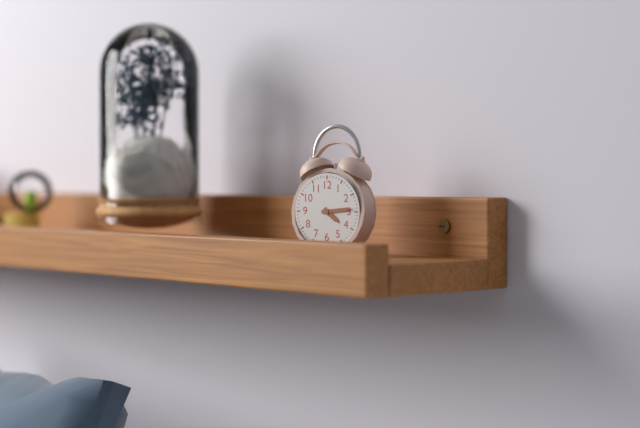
4,14
